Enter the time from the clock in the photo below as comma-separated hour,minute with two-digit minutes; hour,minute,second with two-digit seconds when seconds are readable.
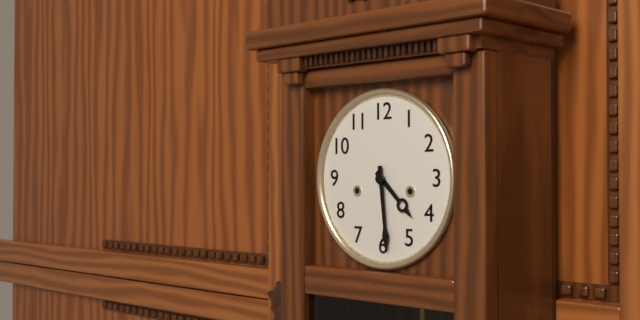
4,29
